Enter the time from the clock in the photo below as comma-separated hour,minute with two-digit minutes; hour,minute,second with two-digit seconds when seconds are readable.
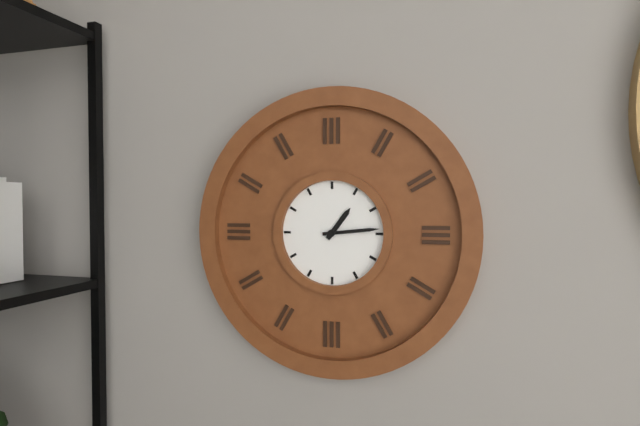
1,14
